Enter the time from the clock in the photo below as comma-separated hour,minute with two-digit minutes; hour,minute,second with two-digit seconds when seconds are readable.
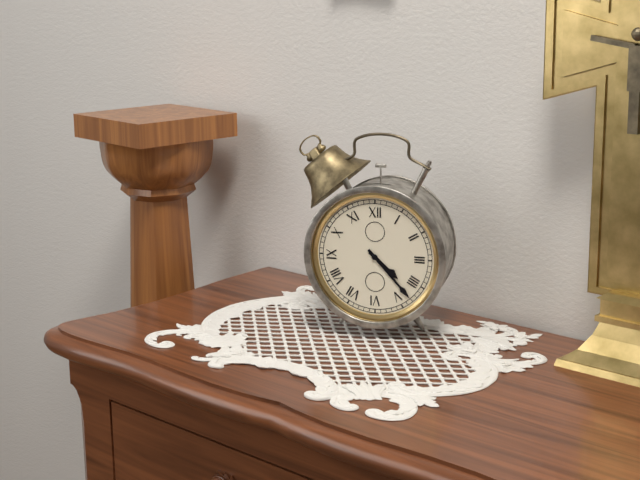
4,23
